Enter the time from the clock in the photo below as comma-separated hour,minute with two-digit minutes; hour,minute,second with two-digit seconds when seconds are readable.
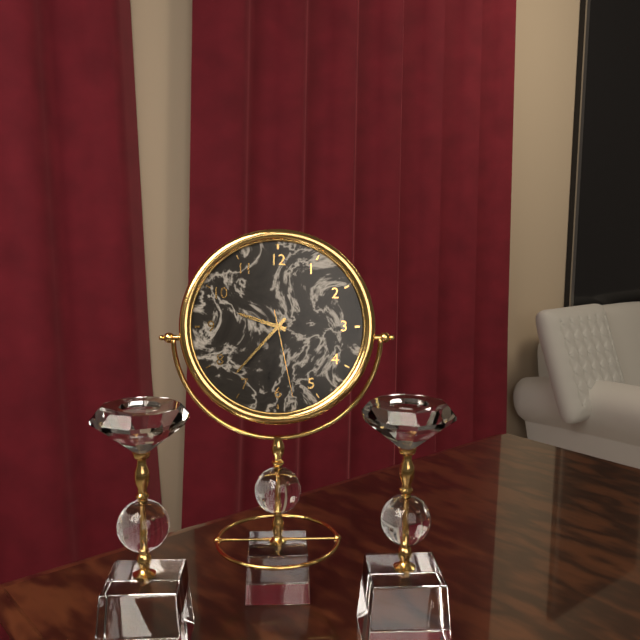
9,37,28
